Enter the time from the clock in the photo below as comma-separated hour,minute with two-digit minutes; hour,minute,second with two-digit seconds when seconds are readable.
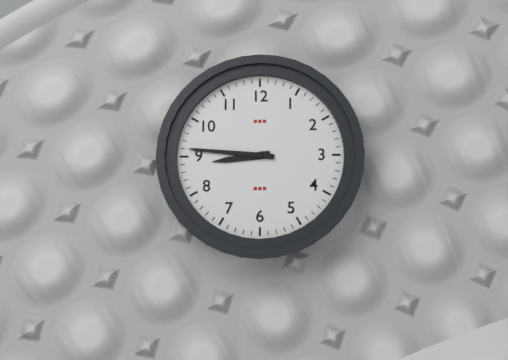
8,46
